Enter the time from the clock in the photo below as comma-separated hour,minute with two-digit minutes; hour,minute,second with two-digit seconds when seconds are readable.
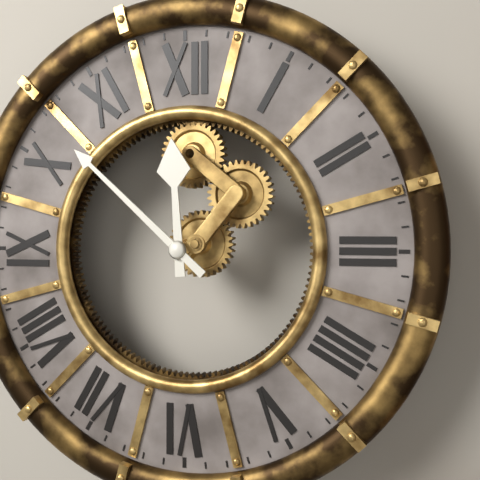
11,52
